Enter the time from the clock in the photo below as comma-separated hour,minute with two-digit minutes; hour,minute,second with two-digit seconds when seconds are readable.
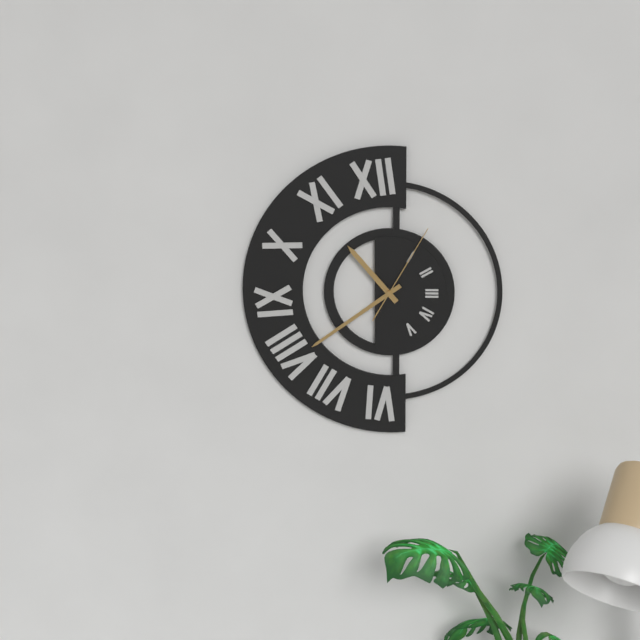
10,39,05
